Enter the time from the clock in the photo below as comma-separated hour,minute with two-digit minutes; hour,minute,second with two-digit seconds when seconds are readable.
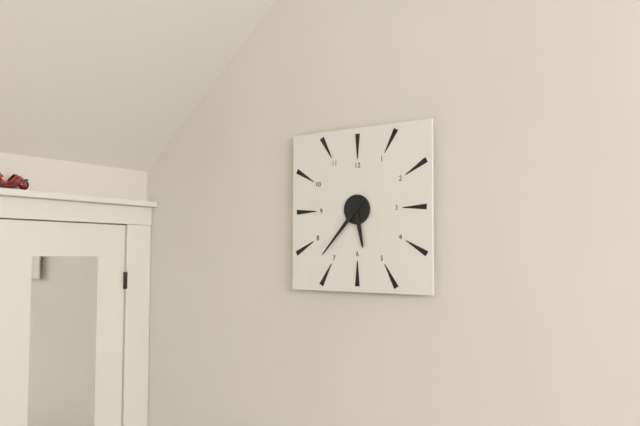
5,37
